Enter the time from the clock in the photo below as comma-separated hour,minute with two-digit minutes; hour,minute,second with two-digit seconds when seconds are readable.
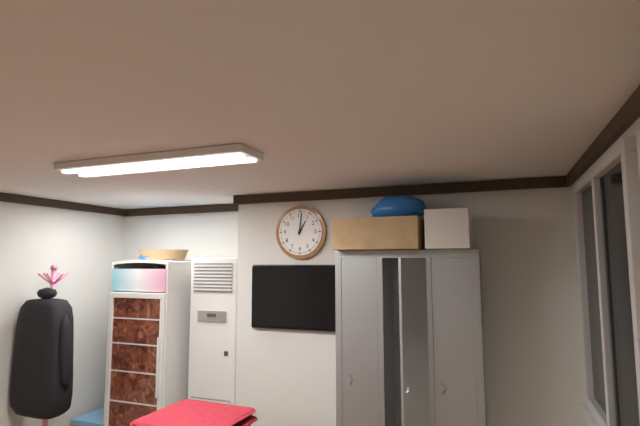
1,01
